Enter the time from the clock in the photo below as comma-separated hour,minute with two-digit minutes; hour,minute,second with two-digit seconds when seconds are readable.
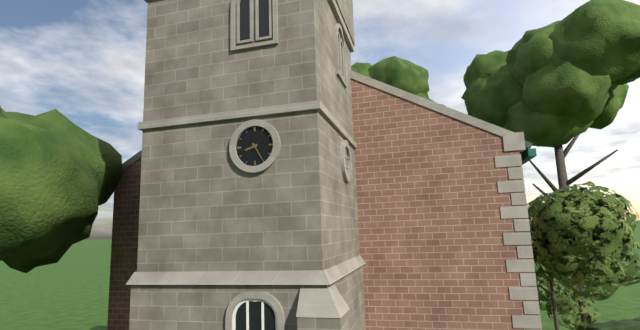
8,25
